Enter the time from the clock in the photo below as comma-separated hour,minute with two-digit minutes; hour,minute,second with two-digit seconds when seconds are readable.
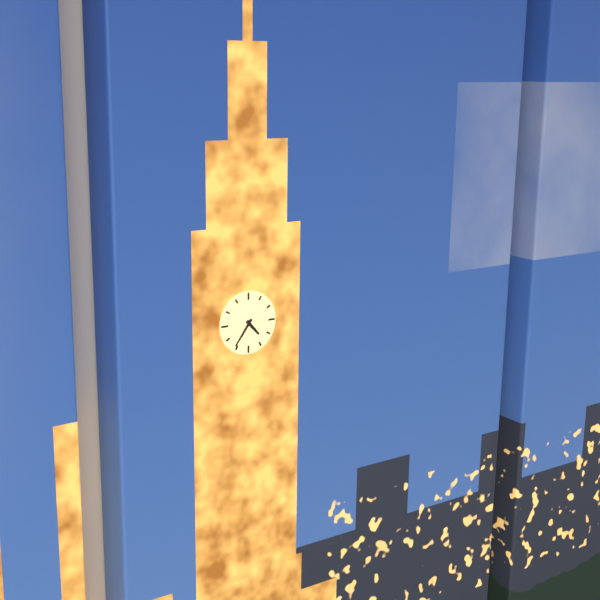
4,36
